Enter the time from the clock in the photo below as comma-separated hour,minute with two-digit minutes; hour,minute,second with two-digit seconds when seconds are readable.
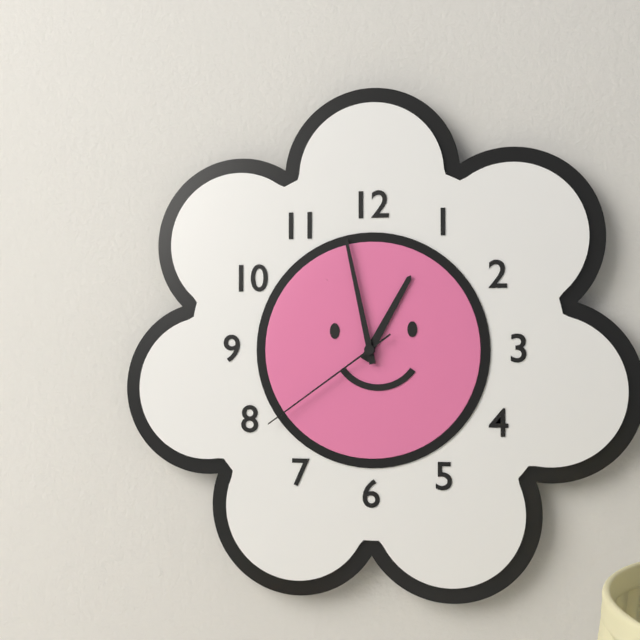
12,58,39
